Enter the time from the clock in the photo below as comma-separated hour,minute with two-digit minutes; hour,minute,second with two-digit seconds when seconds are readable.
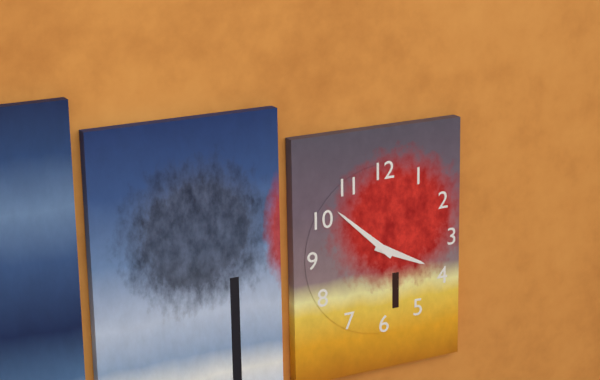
3,52
